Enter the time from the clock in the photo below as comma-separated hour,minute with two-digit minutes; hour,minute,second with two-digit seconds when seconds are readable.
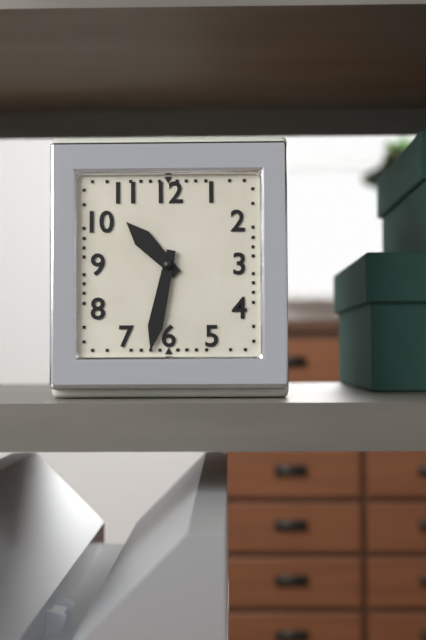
10,32
